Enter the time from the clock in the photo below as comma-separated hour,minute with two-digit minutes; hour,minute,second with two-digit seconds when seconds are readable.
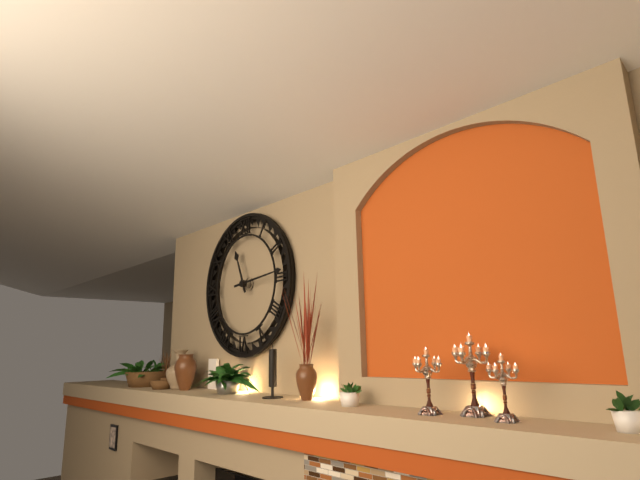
11,14
